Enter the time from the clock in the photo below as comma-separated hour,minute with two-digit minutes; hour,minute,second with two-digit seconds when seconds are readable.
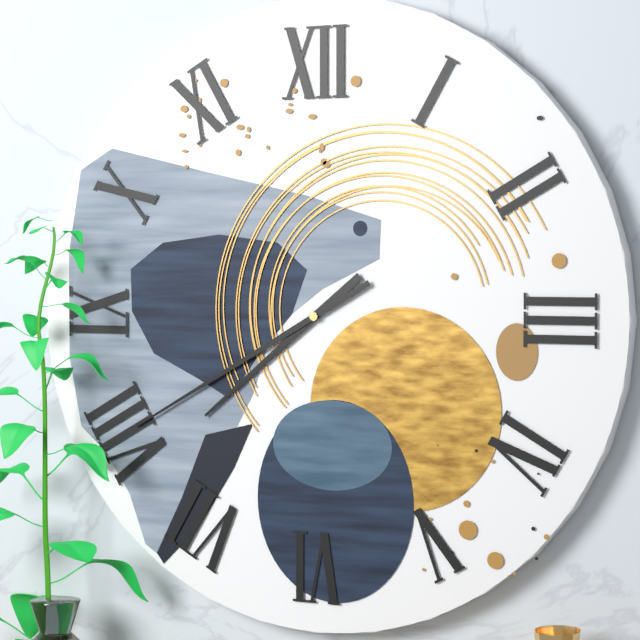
7,40
